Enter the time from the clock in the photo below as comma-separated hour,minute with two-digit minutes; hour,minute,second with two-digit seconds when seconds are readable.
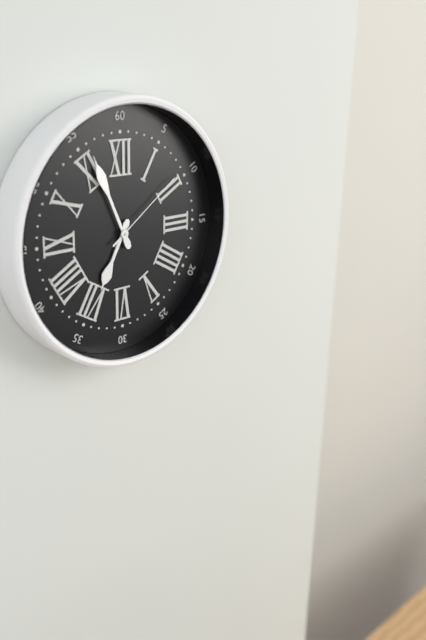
6,56,09
